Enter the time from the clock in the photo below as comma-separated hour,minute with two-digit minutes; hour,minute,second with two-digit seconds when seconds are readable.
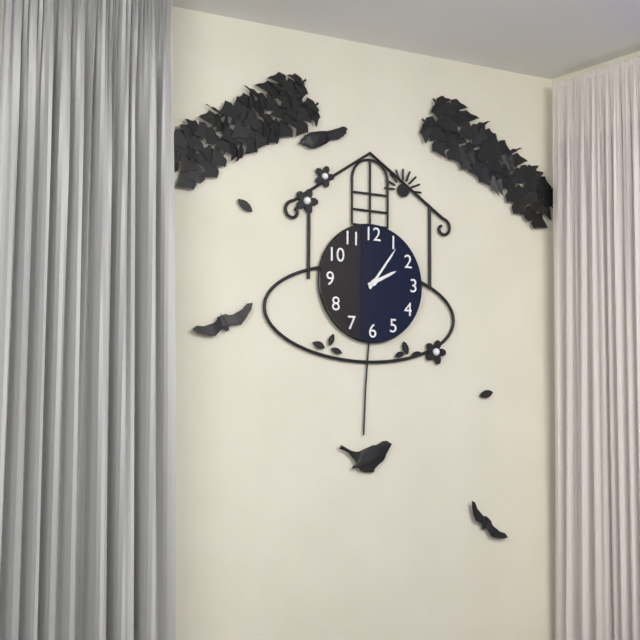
2,06
